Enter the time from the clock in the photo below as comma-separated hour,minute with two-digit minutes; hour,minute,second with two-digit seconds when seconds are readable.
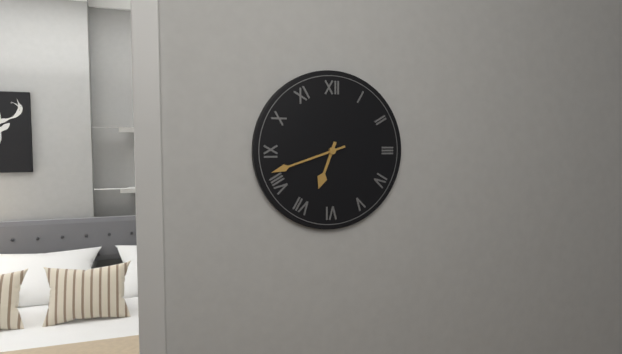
6,42
